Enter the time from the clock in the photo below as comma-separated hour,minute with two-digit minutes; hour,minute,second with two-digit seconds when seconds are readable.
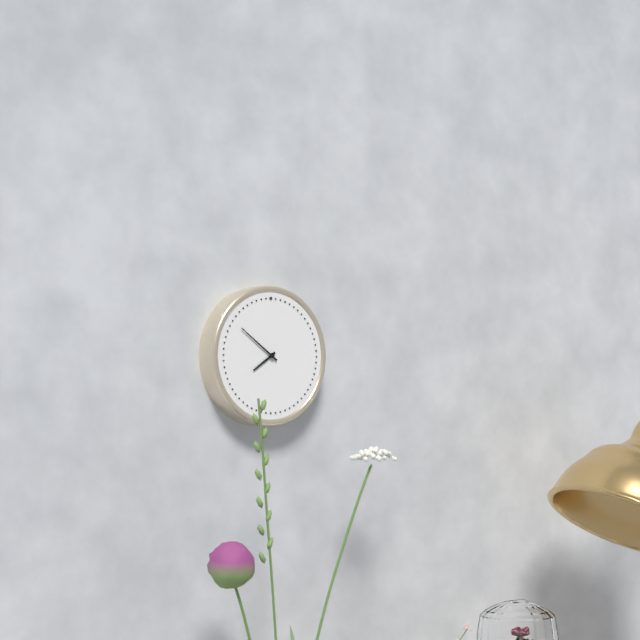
7,51
